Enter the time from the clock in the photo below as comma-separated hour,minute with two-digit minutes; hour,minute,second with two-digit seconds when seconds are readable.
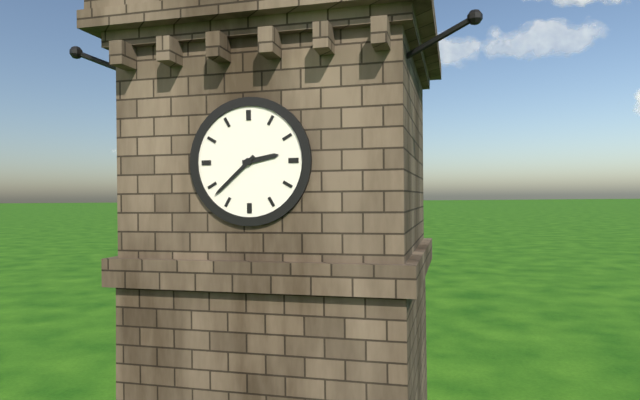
2,38
